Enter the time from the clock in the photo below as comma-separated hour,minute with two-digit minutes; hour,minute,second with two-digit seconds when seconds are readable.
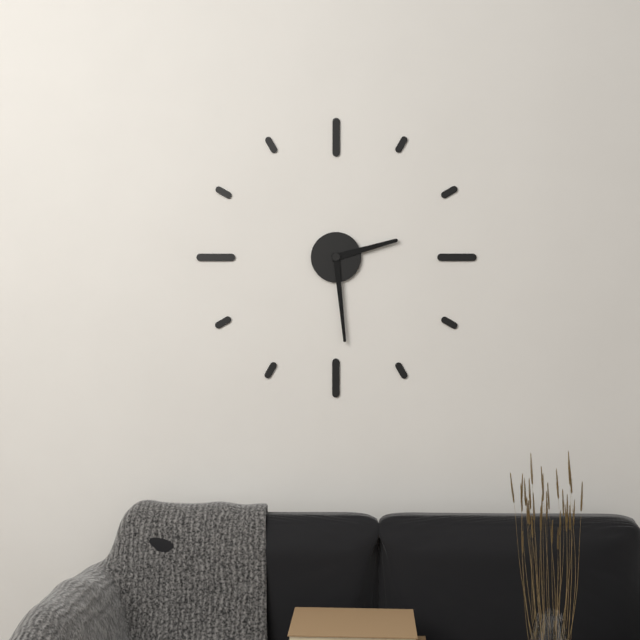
2,29
